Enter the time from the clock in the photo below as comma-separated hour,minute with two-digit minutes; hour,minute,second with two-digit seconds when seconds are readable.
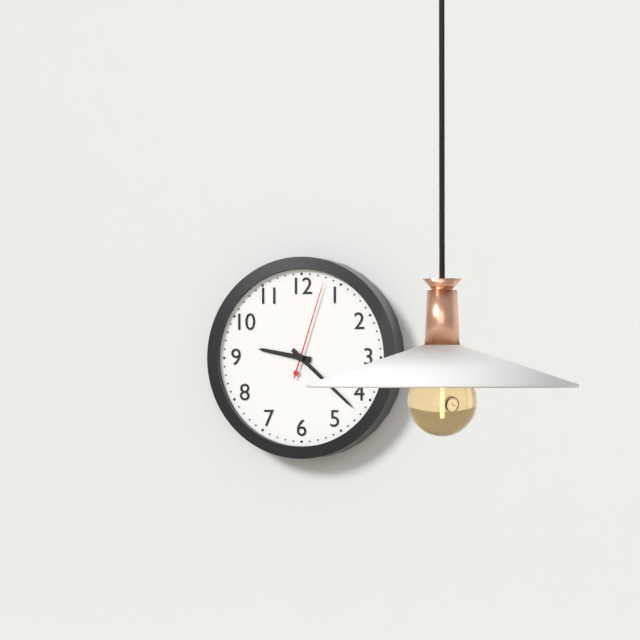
9,22,03
